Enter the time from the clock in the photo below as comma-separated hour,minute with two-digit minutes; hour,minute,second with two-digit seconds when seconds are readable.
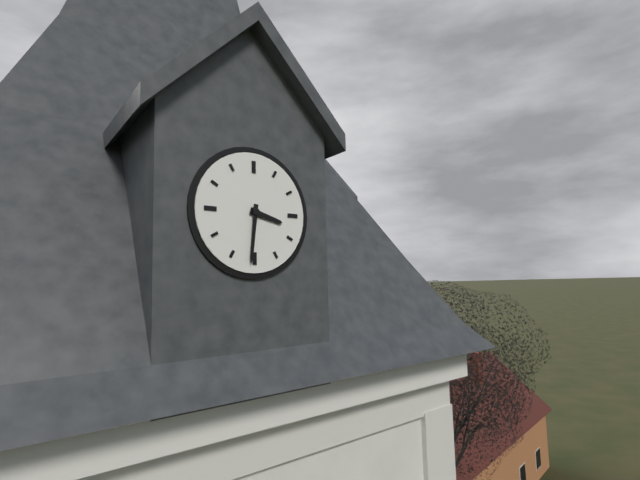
3,31
